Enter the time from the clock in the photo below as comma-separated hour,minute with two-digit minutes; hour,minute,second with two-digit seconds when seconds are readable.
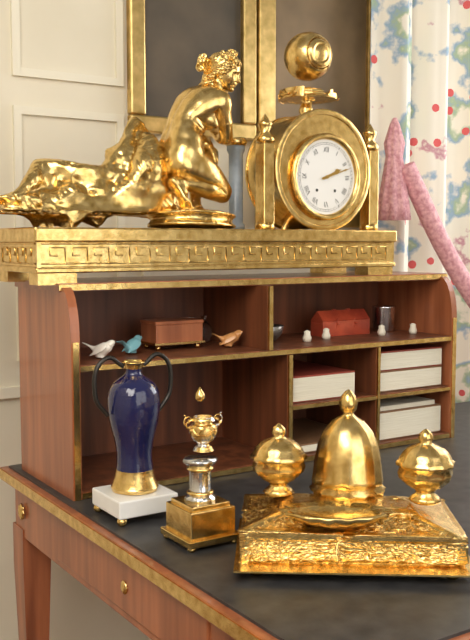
2,12
